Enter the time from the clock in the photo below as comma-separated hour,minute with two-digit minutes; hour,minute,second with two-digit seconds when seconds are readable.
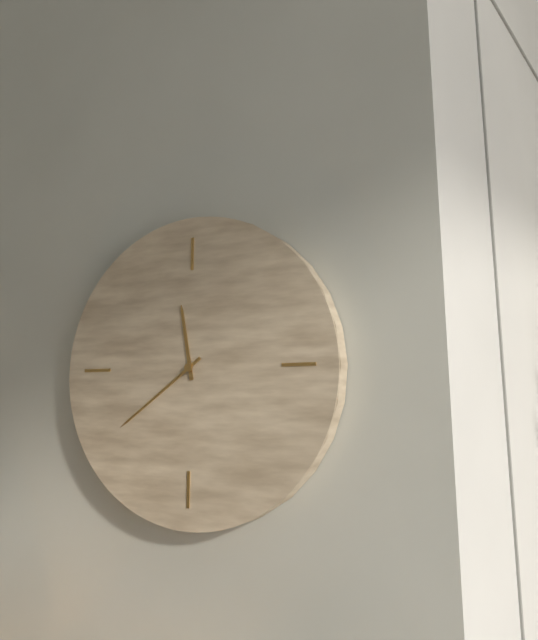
11,39
